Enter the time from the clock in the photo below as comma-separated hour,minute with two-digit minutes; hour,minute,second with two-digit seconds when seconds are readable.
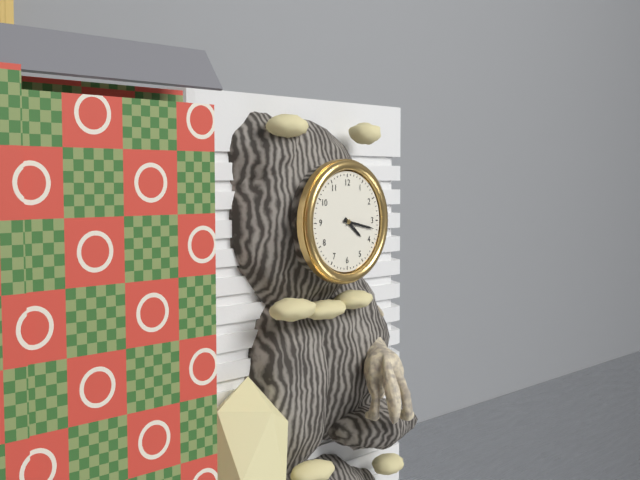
4,17
